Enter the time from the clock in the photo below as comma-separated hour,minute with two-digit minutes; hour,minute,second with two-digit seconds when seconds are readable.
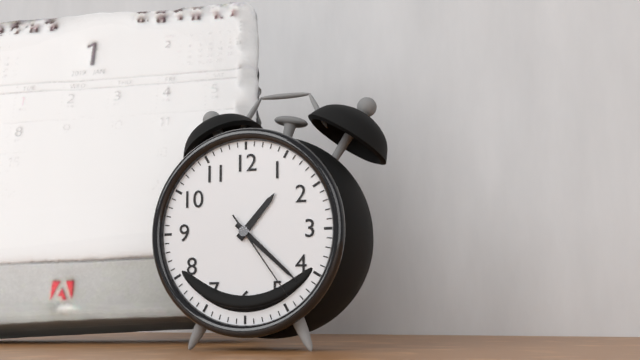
1,22,24
